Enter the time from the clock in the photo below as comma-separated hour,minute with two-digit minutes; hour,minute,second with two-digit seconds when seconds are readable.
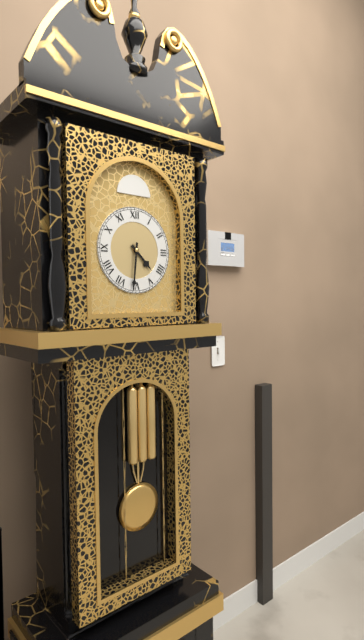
4,31
